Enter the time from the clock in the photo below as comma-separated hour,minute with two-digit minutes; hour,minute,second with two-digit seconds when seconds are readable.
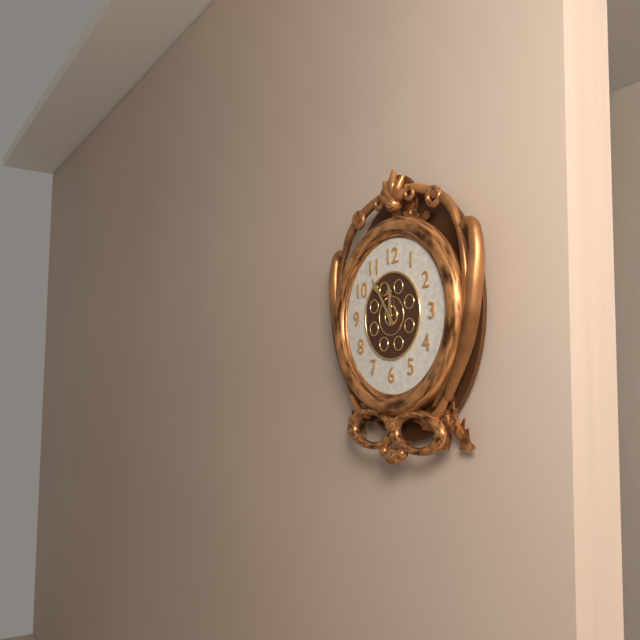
11,54
